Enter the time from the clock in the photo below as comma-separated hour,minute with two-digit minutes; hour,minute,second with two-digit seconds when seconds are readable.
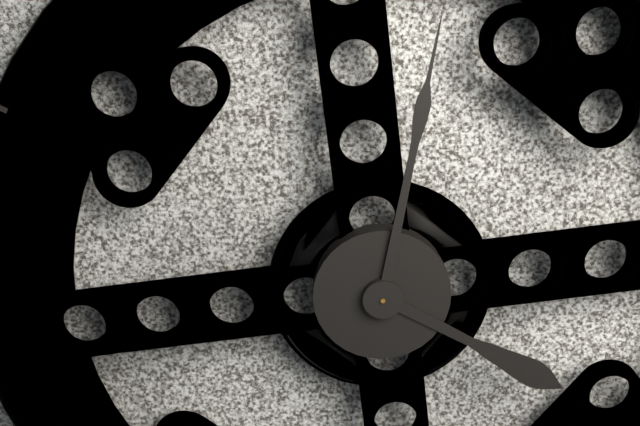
4,02
